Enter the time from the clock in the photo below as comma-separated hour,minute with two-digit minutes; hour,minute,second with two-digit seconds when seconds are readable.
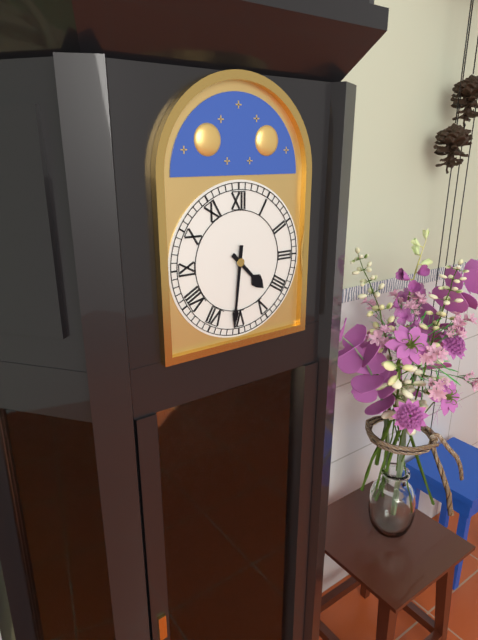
4,31
